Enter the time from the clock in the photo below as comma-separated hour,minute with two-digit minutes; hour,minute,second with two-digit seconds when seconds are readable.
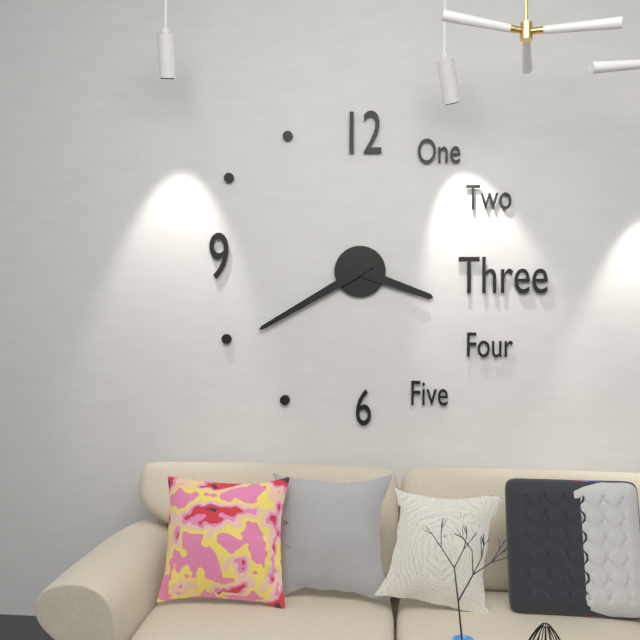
3,40
